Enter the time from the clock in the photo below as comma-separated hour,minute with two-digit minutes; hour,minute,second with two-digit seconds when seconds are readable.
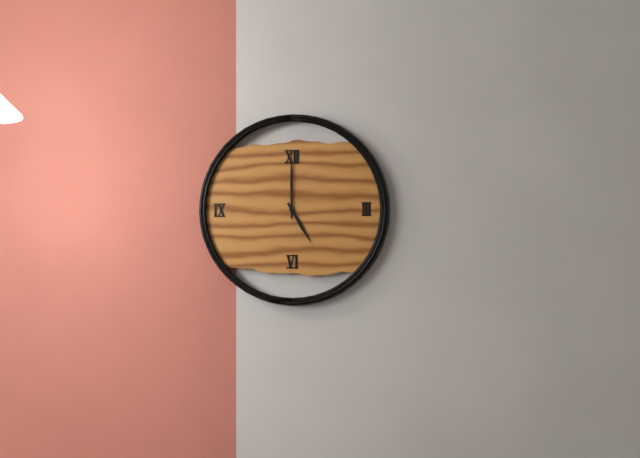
5,00
